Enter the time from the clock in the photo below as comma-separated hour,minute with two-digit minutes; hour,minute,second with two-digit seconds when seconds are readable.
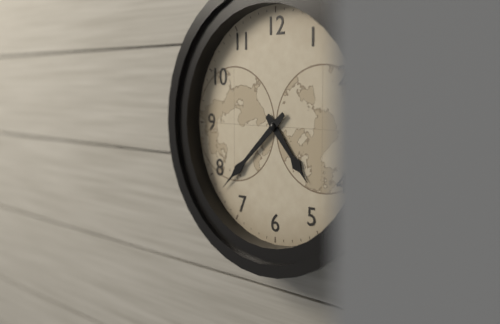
4,38
